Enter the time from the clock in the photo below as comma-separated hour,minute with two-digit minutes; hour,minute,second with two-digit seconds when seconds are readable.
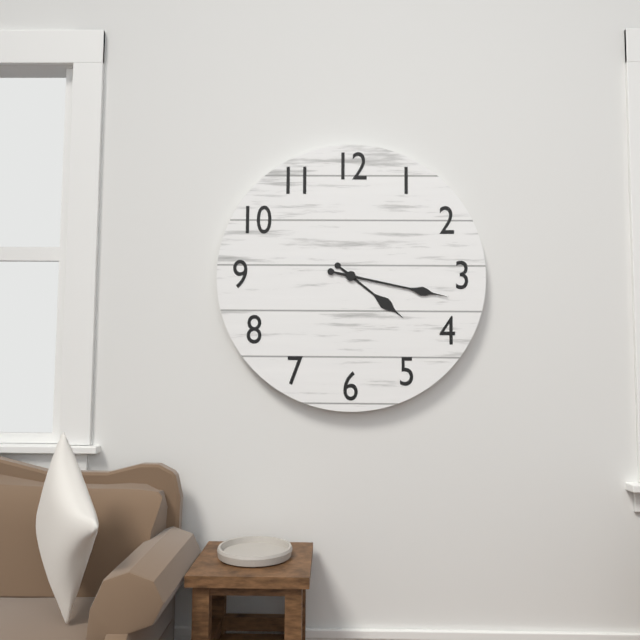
4,17
